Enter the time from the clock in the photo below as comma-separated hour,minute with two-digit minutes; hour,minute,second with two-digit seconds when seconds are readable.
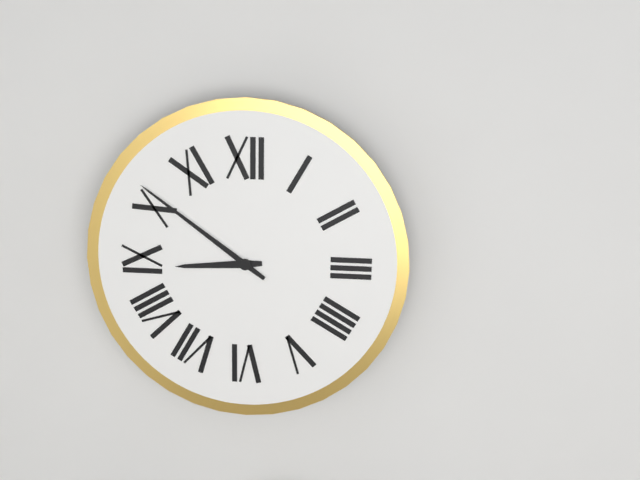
8,51
